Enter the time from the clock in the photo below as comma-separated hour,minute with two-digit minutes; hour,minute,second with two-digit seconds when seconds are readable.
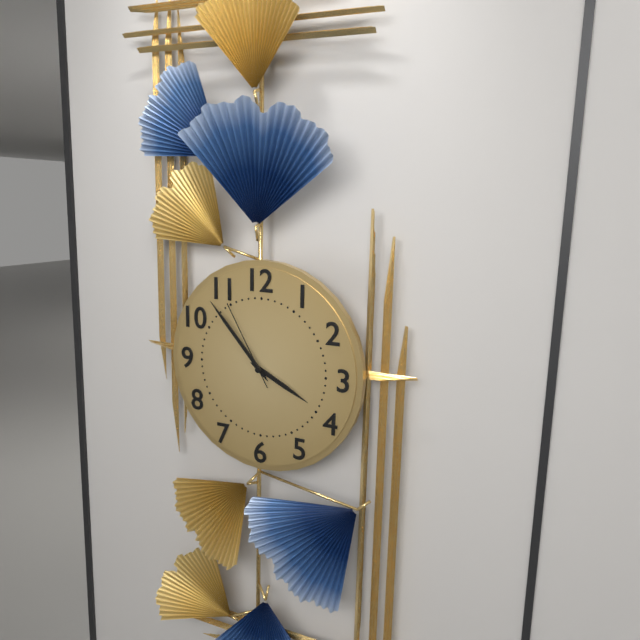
3,53,55
